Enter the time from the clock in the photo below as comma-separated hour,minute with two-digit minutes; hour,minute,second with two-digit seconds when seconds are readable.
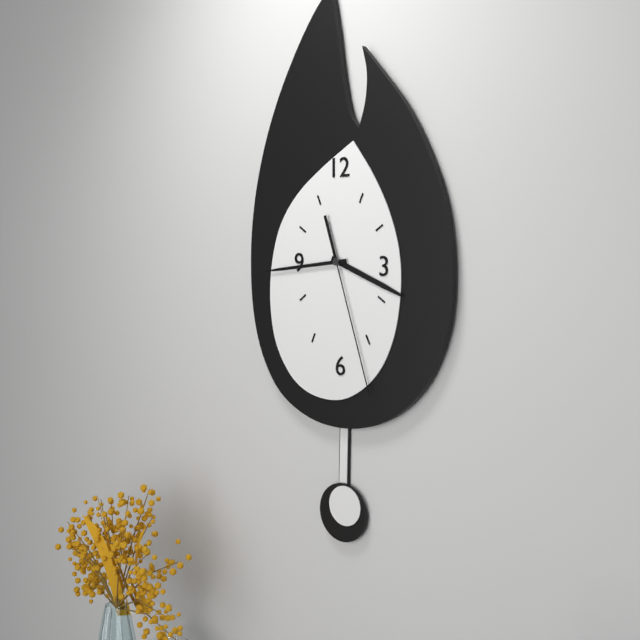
3,44,27
